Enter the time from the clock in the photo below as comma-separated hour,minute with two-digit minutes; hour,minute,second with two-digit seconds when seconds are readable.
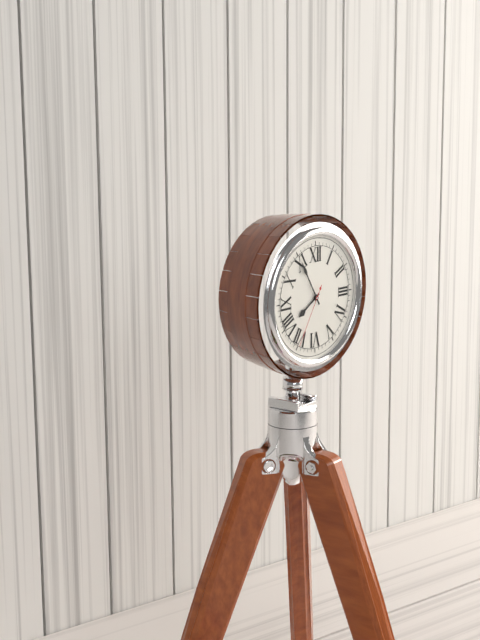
7,55,35
